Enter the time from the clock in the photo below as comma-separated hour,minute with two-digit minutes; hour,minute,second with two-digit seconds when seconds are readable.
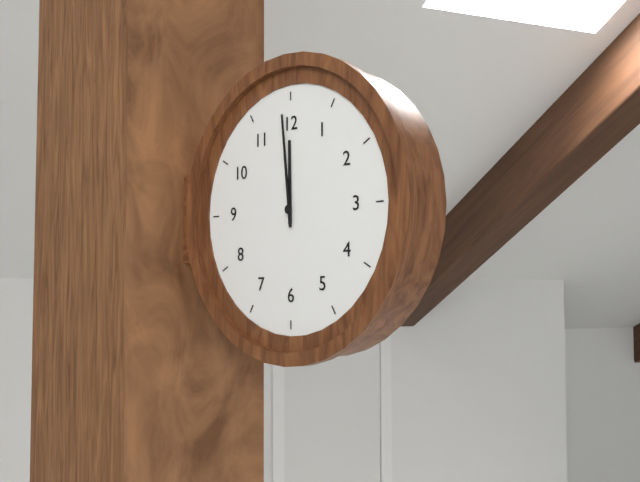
11,59
